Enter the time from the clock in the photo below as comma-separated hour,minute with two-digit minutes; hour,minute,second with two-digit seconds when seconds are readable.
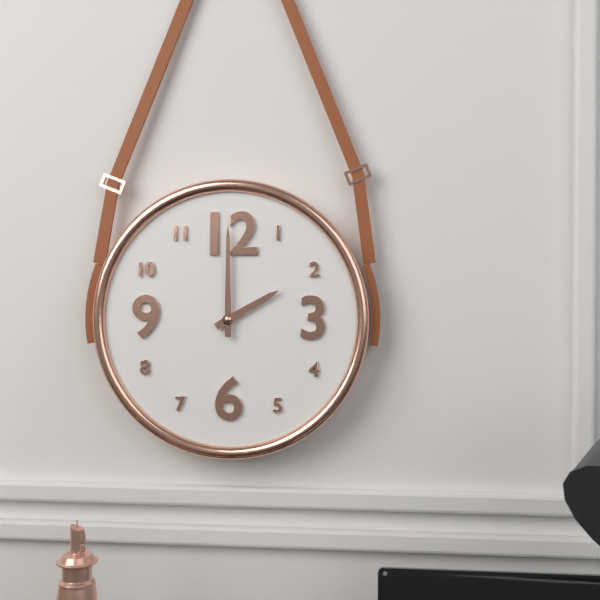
2,00
